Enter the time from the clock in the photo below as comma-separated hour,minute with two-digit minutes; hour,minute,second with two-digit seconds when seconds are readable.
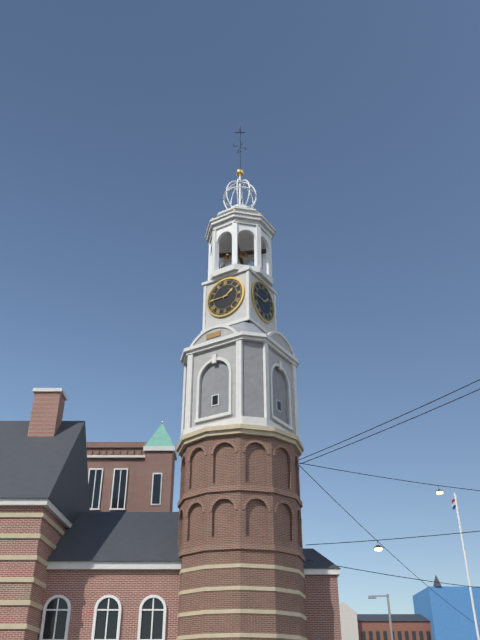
1,45
